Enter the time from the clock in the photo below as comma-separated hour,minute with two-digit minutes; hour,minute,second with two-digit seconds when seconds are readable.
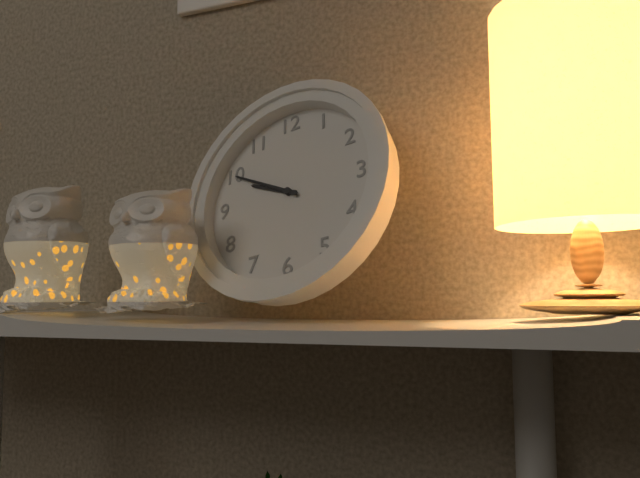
9,50
